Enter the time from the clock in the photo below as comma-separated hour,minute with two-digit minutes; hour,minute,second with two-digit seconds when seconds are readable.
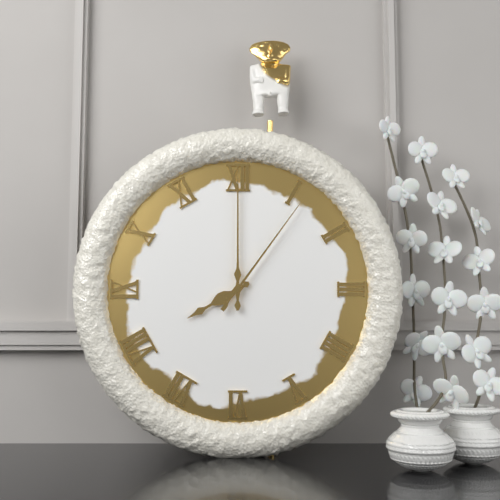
8,00,06
